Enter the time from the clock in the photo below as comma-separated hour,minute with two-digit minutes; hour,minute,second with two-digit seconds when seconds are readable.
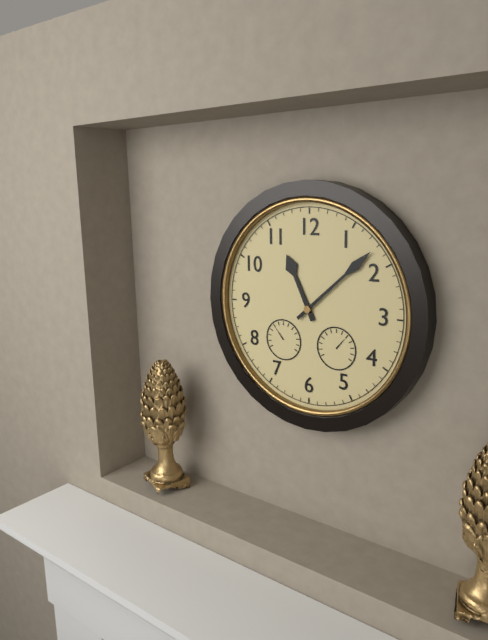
11,08
